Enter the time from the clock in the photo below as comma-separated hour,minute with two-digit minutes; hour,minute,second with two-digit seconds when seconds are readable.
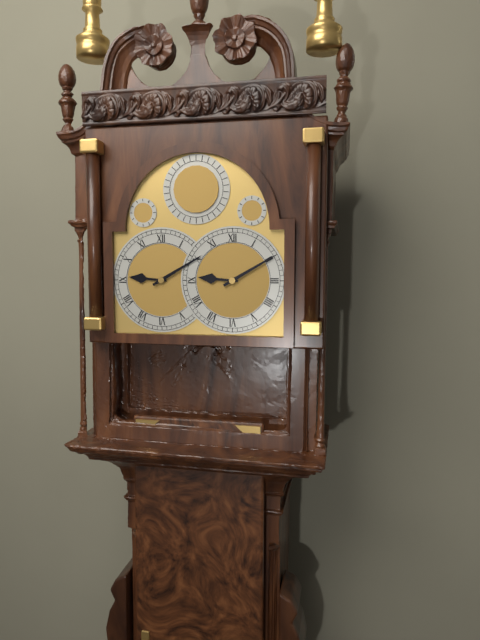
9,10
